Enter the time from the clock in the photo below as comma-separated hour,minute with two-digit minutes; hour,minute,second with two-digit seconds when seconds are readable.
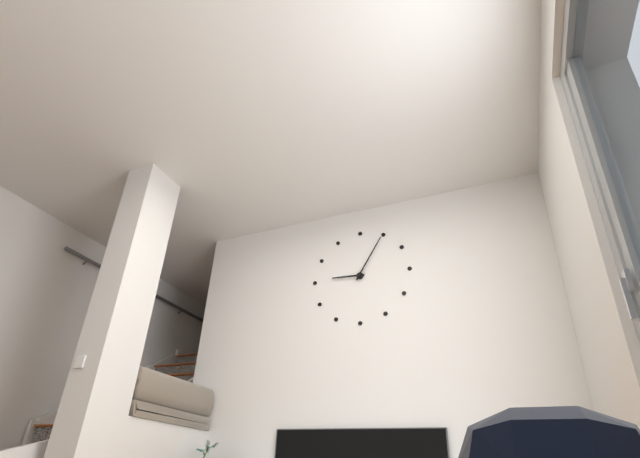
9,05
